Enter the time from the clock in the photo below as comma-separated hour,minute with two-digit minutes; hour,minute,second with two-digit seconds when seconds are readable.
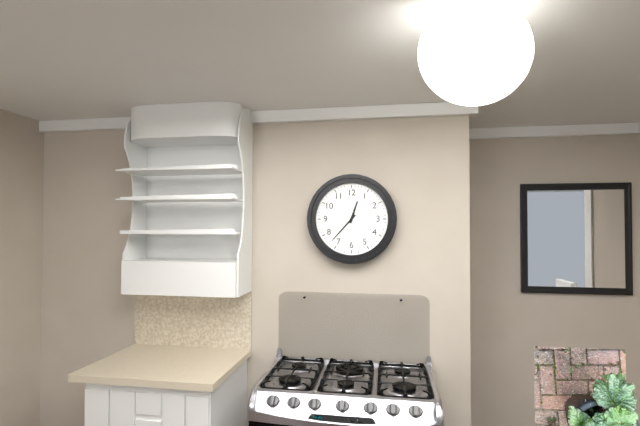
12,37
